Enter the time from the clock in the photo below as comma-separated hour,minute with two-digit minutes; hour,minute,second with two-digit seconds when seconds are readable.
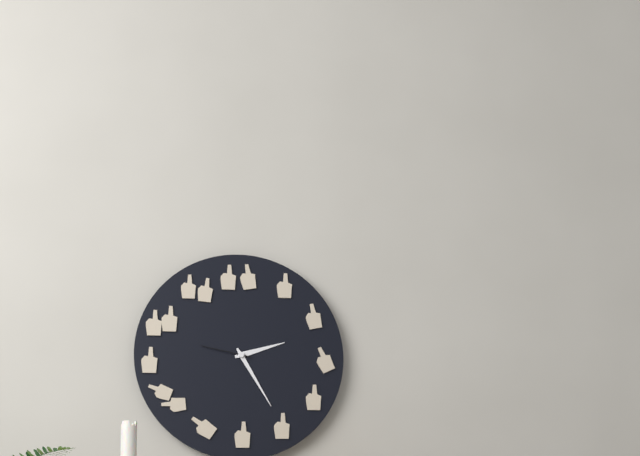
2,25,47
